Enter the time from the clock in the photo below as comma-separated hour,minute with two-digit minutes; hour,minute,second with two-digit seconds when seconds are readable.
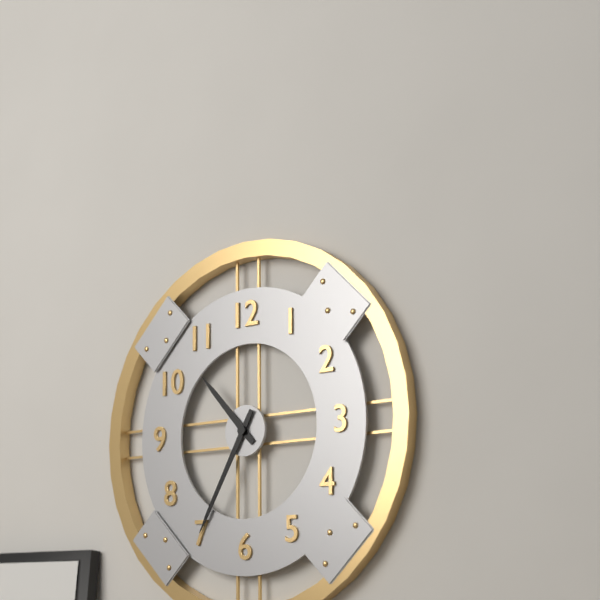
10,35
